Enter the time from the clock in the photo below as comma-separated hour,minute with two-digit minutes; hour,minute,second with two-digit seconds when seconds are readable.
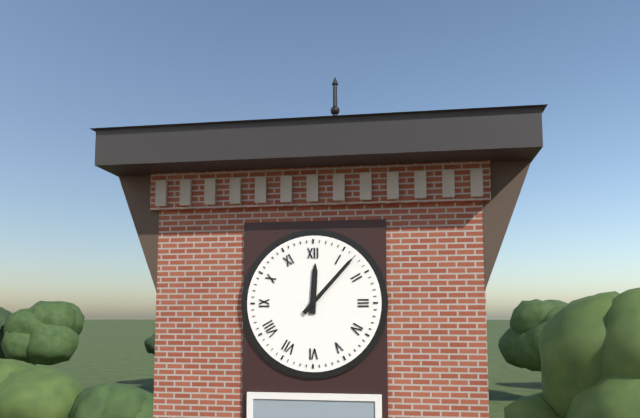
12,07
